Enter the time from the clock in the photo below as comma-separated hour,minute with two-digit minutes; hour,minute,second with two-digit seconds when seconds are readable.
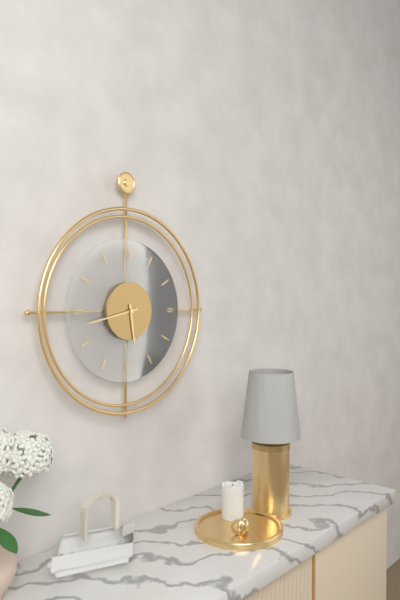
5,43
